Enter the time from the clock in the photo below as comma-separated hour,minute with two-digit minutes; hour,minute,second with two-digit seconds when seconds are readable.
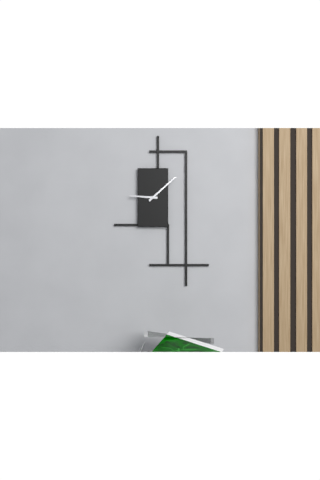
9,08
